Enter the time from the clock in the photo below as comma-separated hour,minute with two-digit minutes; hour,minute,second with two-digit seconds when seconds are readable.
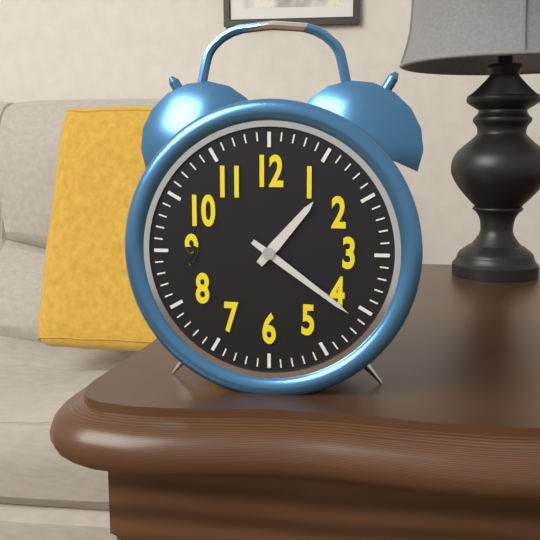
1,21
